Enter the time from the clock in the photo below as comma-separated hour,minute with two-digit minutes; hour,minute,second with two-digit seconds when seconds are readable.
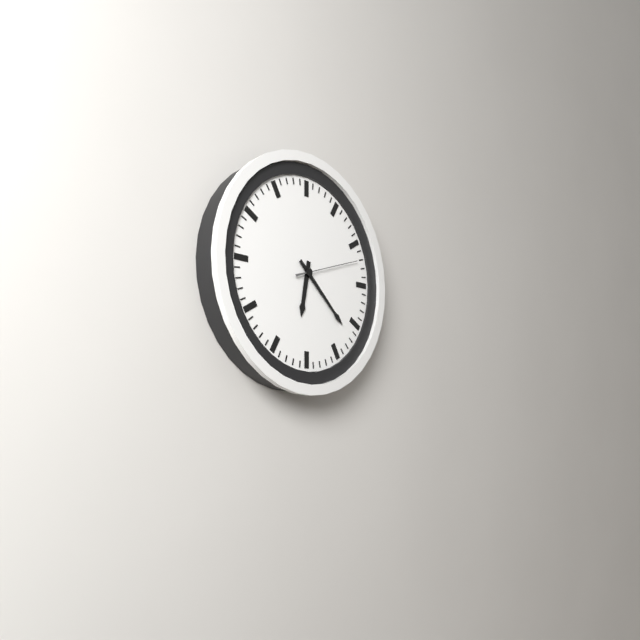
6,22,12
